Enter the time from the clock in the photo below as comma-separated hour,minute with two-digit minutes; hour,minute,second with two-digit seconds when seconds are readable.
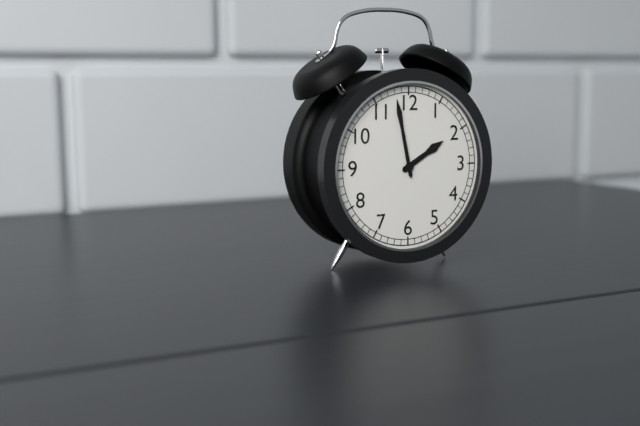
1,58
